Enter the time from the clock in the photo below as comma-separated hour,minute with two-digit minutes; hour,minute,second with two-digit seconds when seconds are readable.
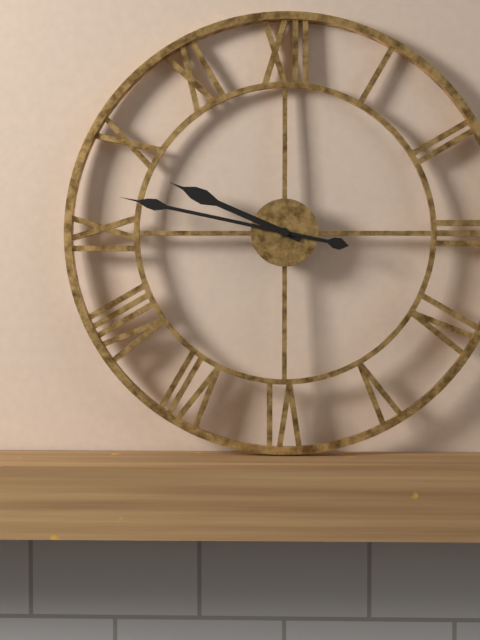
9,47
